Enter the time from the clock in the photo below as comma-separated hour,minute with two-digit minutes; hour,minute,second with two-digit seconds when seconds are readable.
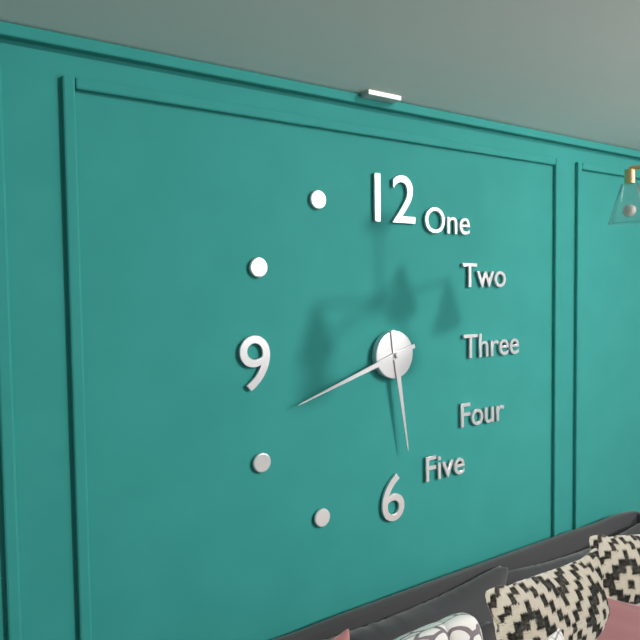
5,42
